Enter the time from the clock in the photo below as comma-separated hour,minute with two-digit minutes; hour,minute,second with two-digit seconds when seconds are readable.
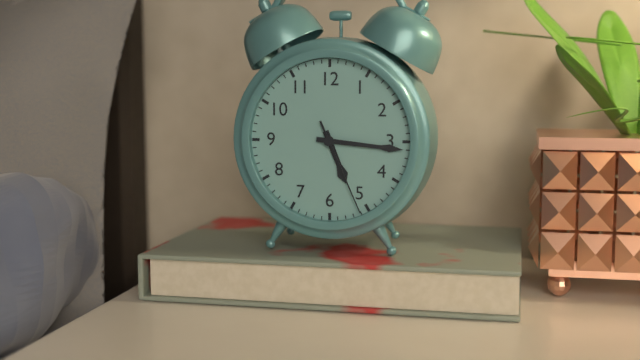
5,16,26
